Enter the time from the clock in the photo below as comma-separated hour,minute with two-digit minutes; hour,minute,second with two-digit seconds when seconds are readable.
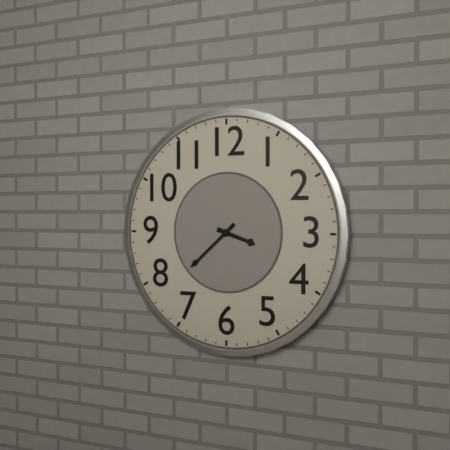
3,38
